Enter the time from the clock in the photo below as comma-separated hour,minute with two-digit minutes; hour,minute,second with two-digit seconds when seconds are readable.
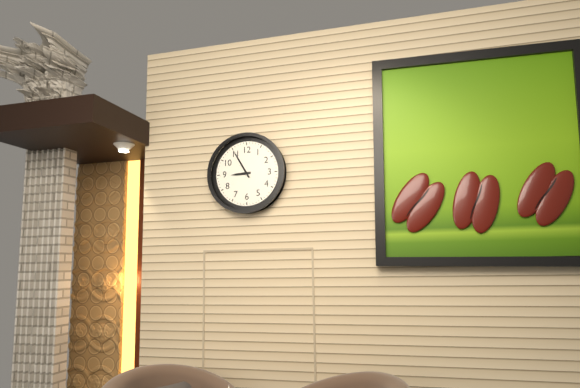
8,55
